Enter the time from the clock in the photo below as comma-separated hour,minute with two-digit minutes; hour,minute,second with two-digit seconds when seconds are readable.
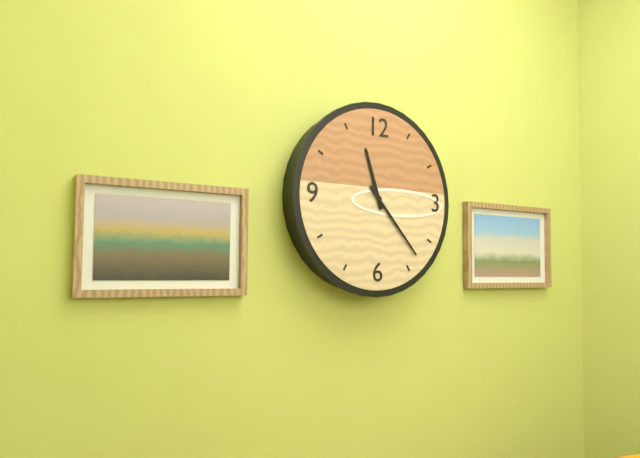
11,23
